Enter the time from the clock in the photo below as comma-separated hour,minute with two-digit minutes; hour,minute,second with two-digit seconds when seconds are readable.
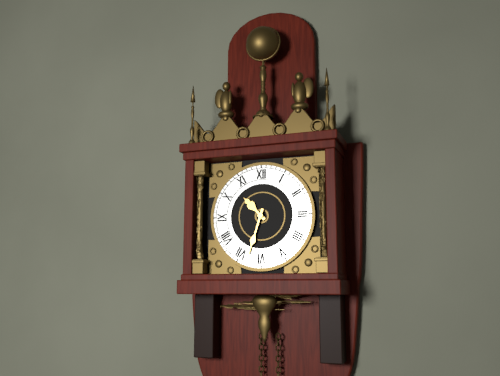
10,33
